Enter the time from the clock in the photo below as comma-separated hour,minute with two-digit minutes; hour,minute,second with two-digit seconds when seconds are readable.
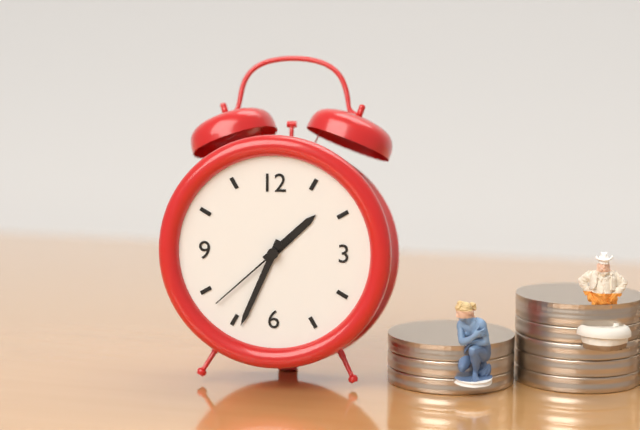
1,34,38
